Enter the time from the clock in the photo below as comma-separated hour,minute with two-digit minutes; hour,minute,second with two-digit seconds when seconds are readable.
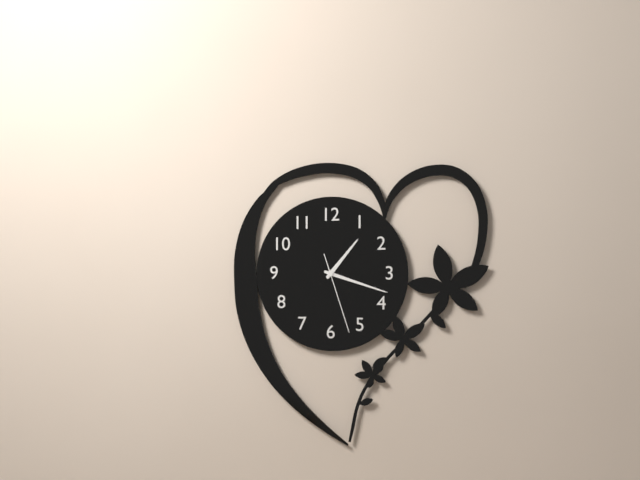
1,18,27
